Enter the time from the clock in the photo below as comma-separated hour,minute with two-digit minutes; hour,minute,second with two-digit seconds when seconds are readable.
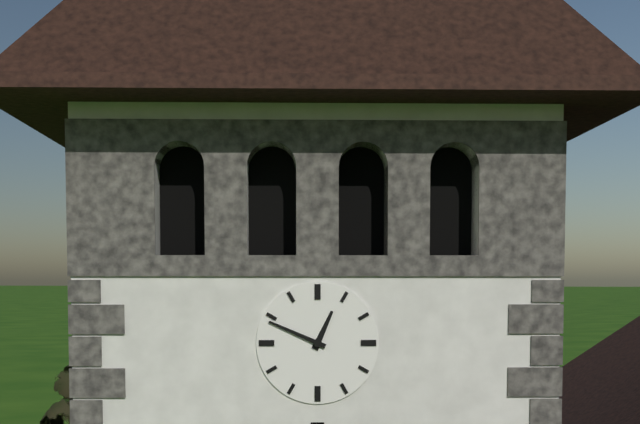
12,49
